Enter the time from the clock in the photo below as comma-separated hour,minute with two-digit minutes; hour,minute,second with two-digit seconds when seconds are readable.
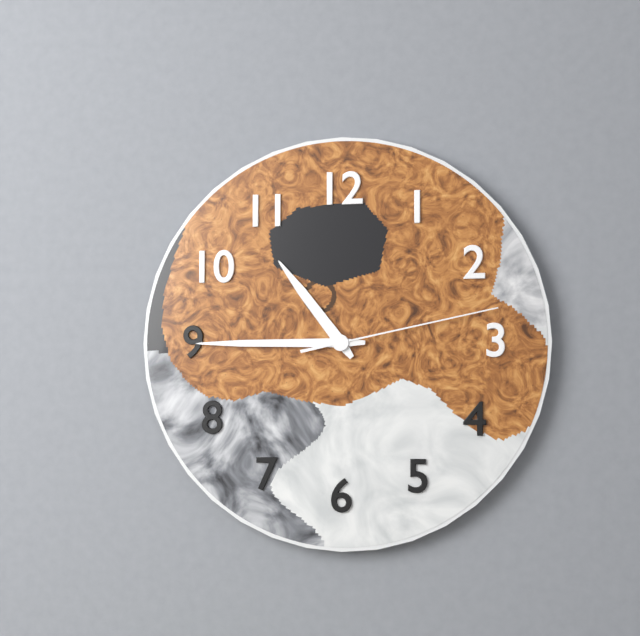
10,45,13
